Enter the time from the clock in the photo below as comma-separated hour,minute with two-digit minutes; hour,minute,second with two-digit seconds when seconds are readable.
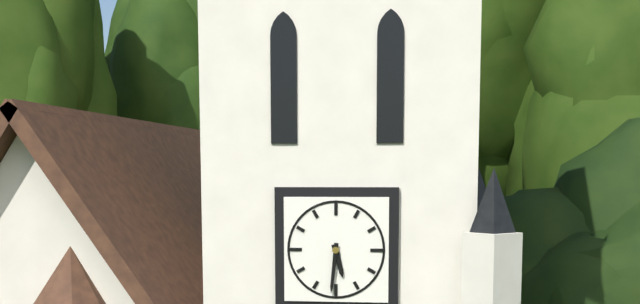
5,31
